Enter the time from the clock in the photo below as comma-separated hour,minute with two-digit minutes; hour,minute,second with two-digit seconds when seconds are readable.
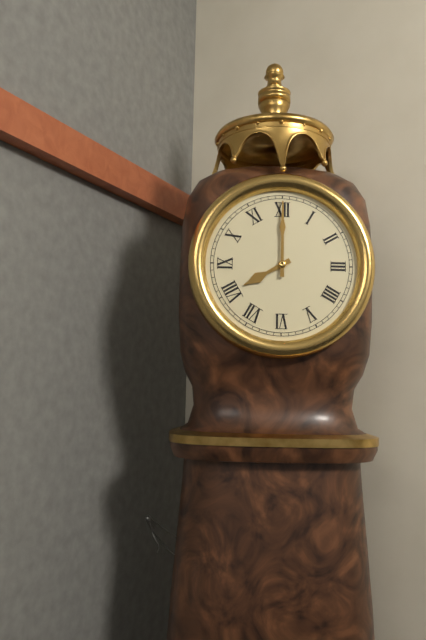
8,00
